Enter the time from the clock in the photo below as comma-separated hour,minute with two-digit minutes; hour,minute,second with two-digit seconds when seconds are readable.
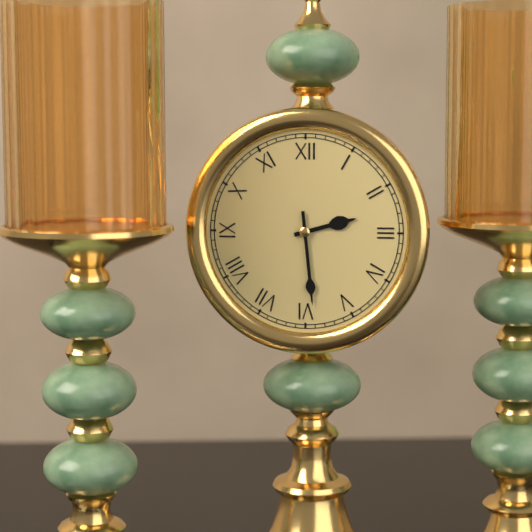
2,29
